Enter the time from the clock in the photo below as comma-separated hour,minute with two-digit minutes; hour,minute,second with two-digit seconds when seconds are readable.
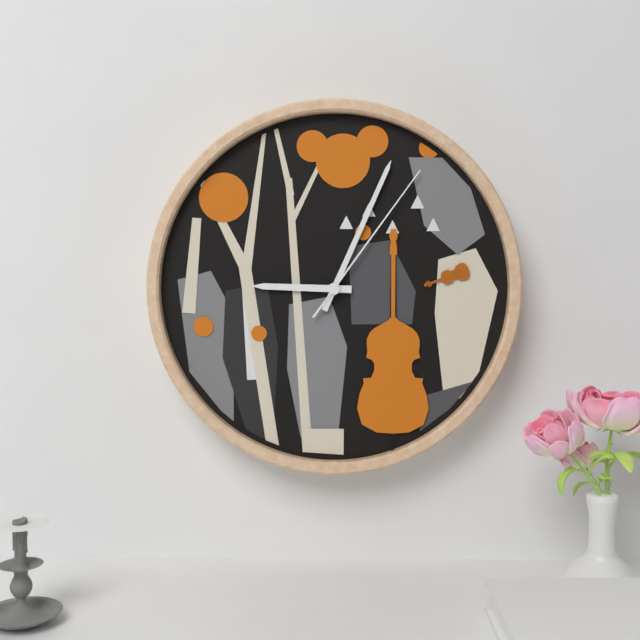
9,04,06
